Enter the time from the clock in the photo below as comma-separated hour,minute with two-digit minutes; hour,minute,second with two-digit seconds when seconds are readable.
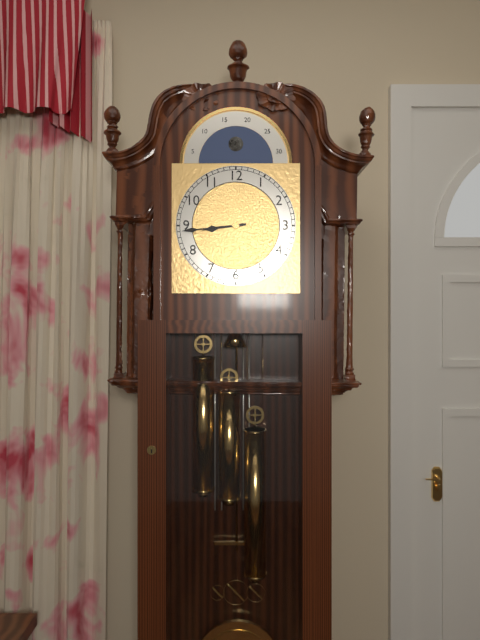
8,44
